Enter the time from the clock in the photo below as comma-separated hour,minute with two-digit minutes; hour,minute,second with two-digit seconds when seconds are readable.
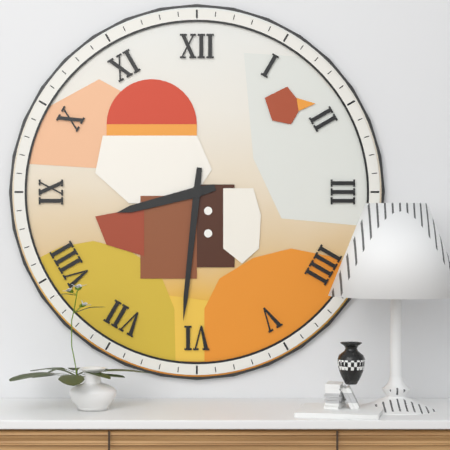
8,31
